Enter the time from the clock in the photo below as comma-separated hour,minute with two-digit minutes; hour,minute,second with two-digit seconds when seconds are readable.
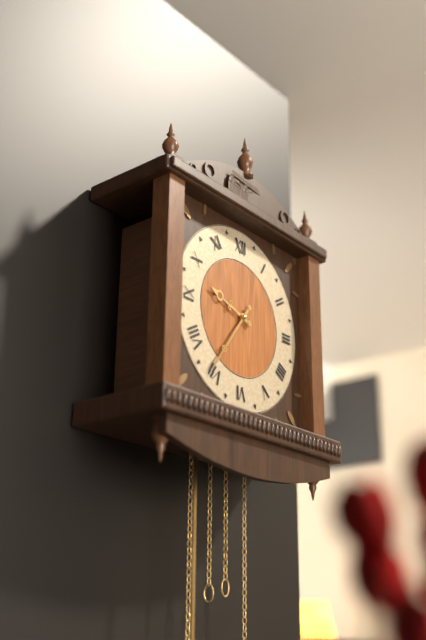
9,36
